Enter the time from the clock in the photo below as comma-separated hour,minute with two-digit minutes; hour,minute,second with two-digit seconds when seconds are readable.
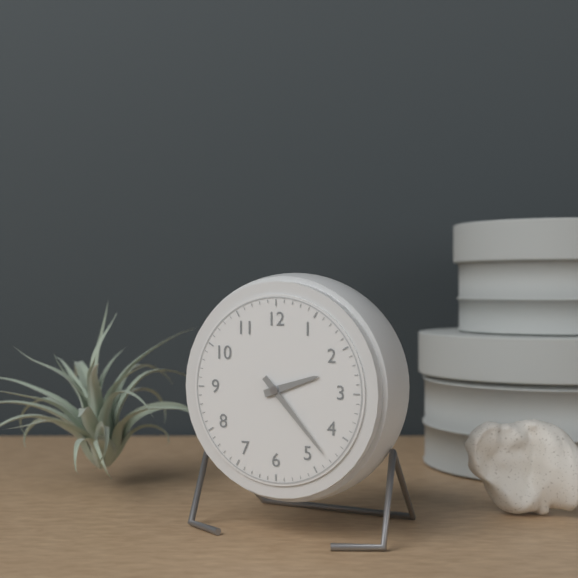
2,23
